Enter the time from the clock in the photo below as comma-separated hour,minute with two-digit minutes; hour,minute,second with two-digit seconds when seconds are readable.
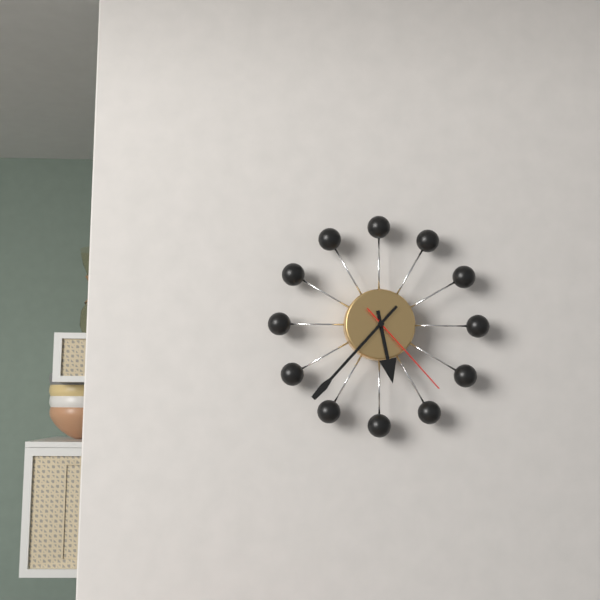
5,37,23
